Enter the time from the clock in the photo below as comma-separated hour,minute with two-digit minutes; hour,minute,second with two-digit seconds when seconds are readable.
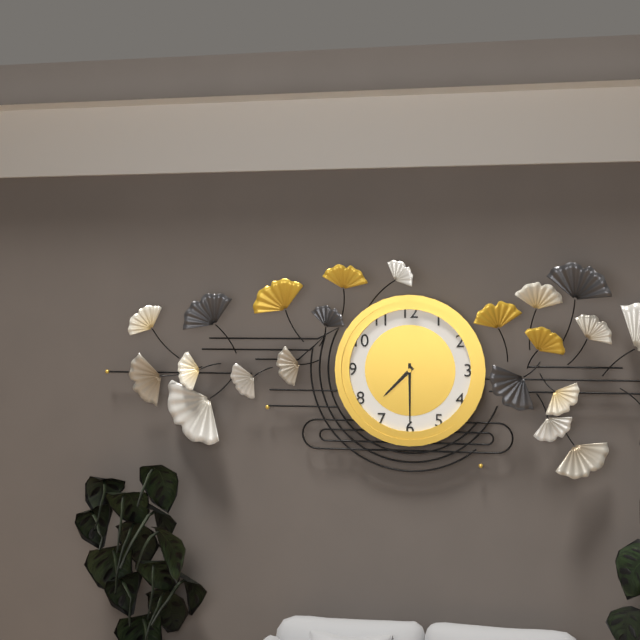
7,30
